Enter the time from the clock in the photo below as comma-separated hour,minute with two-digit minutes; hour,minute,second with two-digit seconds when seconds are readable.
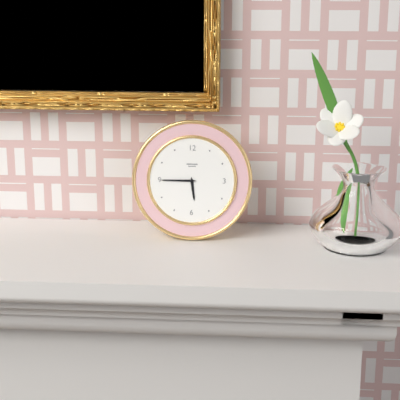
5,45
